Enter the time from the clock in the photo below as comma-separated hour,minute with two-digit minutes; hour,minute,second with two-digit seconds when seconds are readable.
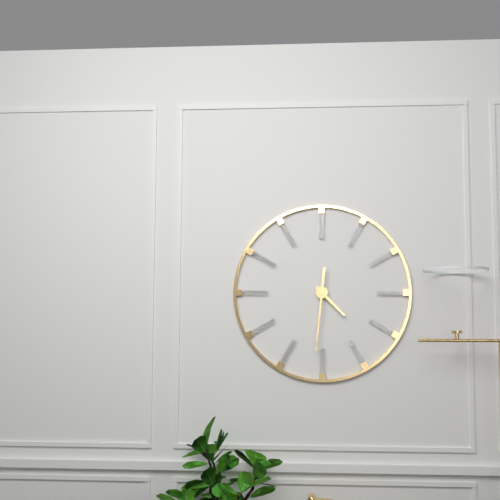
4,31
